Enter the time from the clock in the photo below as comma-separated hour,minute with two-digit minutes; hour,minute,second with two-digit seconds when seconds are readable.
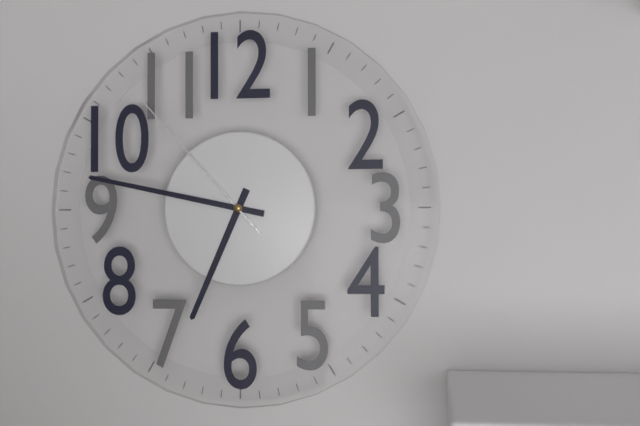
6,47,53
